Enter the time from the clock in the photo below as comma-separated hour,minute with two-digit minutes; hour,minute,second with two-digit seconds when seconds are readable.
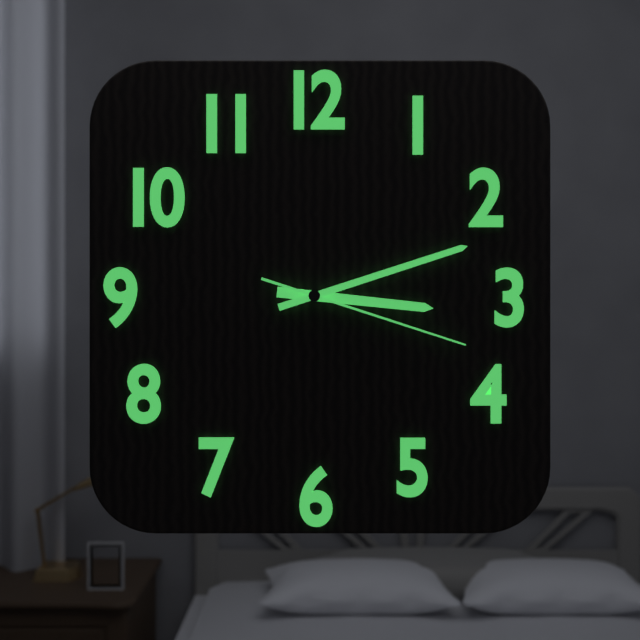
3,12,18
